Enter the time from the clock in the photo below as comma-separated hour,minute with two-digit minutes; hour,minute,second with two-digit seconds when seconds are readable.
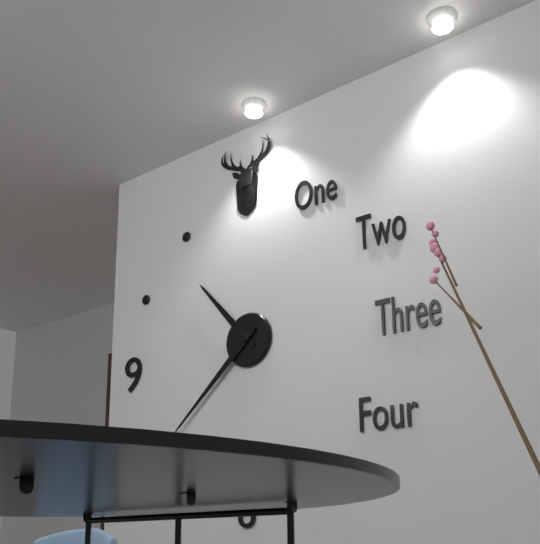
10,38
